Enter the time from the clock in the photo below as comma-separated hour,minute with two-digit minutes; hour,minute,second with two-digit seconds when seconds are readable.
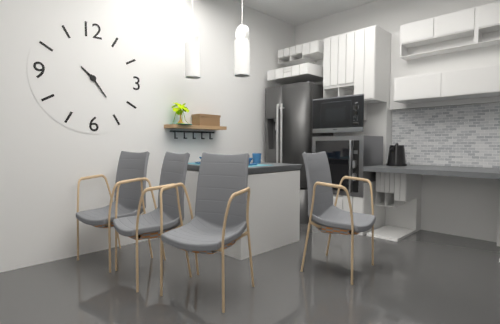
10,24
